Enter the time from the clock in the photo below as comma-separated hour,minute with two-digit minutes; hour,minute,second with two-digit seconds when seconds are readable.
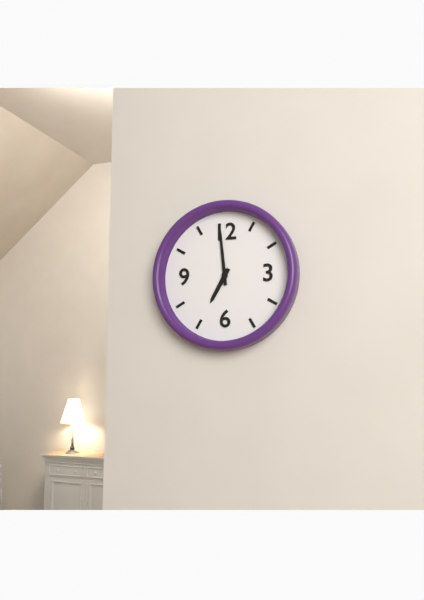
6,59
